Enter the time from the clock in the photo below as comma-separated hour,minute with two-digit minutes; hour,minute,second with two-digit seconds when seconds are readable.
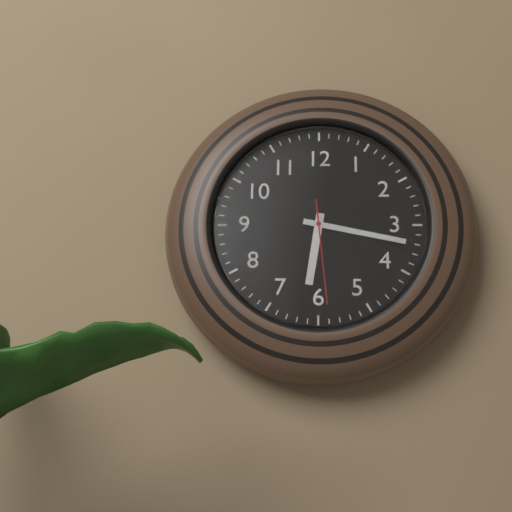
6,17,29
